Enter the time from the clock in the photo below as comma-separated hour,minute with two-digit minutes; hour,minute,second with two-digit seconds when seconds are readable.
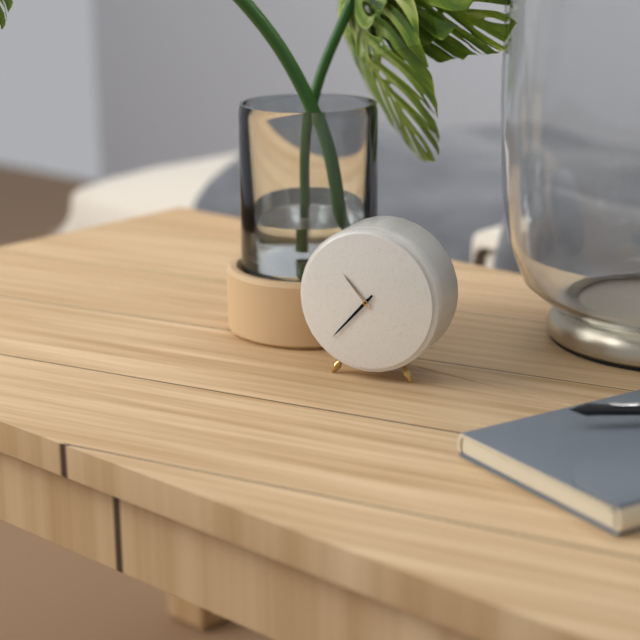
10,37
